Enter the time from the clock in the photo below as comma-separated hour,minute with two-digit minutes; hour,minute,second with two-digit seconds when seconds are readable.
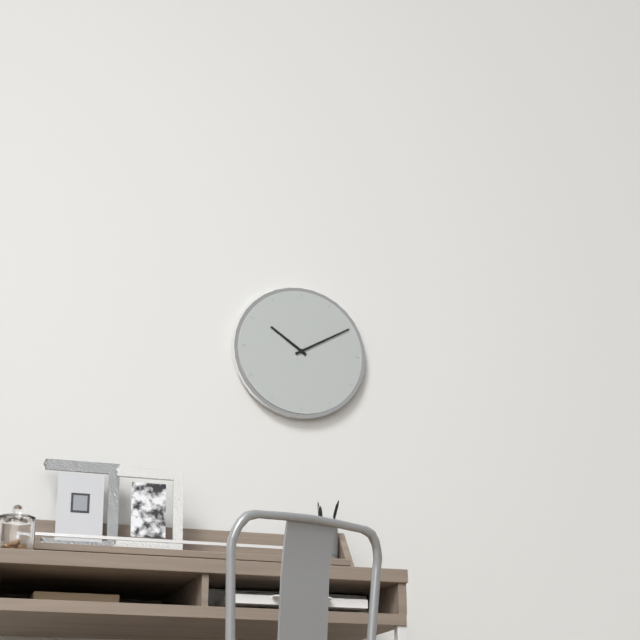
10,10
